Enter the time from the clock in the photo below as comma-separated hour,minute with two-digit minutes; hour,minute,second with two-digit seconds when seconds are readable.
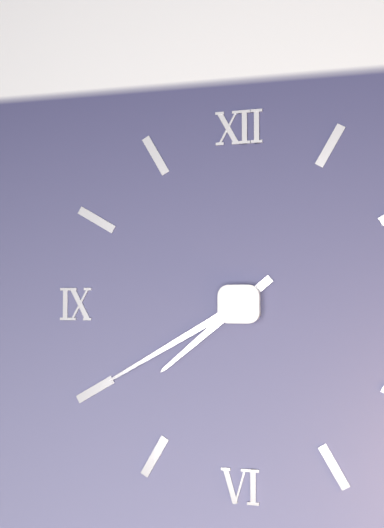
7,40
